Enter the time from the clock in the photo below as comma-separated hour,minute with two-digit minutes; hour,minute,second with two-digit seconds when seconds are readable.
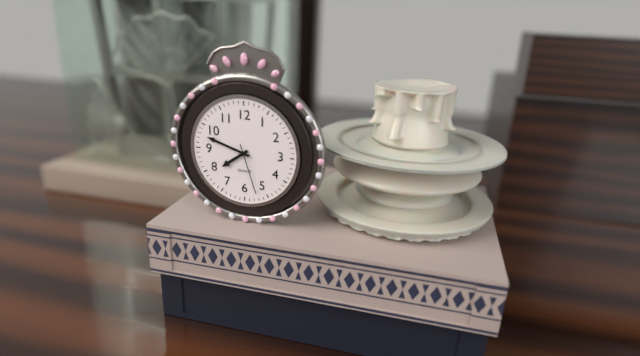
7,48,27
